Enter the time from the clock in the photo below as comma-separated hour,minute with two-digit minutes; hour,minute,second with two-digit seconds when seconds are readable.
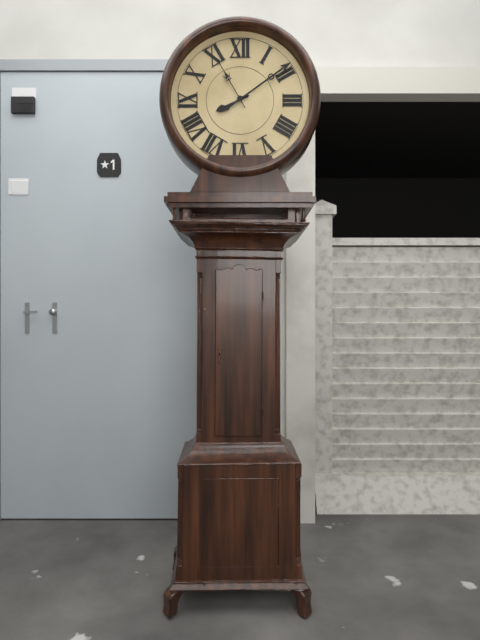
8,09,55
